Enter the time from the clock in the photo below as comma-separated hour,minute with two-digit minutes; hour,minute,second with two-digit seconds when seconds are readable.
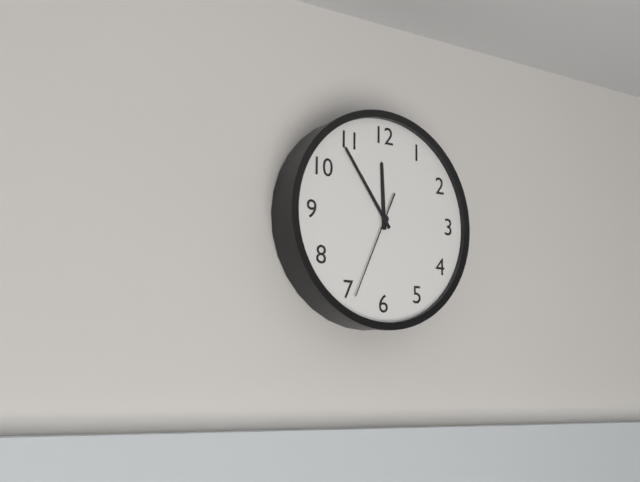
11,54,34
